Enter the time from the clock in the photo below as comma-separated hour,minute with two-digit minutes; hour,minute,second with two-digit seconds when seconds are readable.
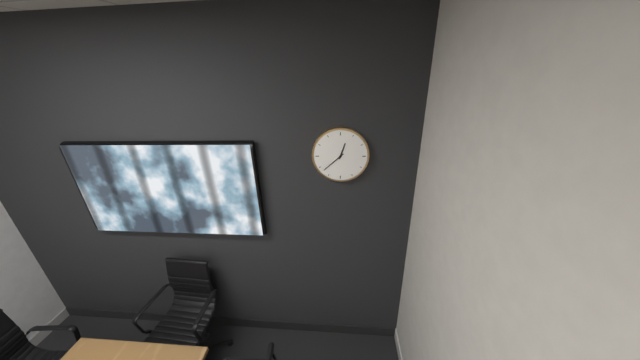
12,38
